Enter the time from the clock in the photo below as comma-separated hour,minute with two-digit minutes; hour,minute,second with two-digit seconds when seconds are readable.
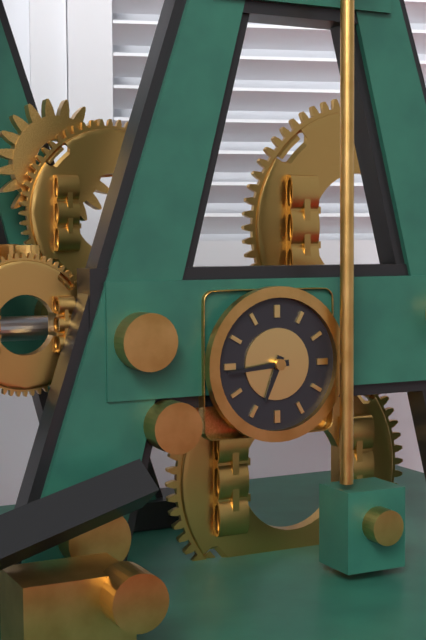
6,44
